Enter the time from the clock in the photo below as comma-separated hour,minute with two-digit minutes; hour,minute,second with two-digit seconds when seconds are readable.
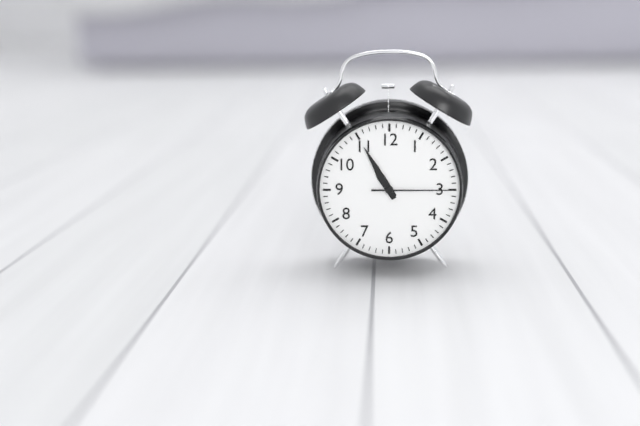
10,55,15
